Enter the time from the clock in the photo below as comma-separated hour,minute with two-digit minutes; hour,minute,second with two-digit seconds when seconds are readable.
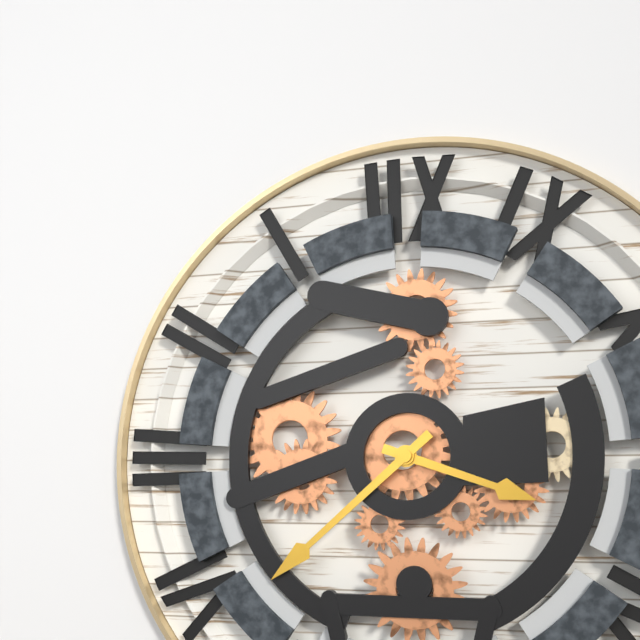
3,38
